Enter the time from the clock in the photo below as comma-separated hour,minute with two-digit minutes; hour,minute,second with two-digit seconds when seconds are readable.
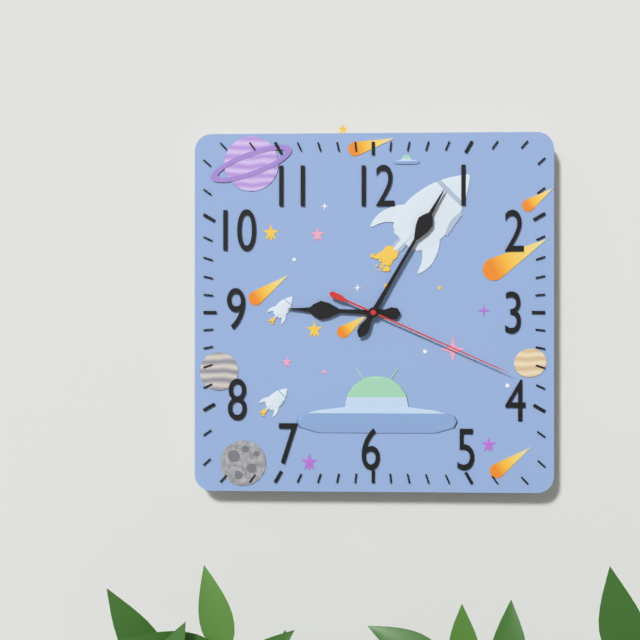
9,05,19
